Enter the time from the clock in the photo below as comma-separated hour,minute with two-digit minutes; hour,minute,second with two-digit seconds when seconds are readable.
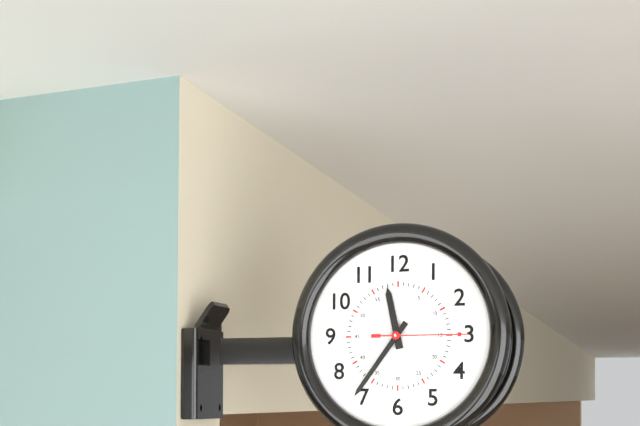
11,36,15
